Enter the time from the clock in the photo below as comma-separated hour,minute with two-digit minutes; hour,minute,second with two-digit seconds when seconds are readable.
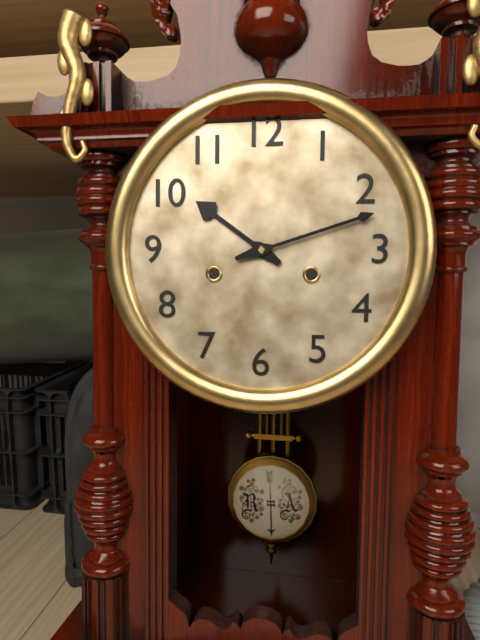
10,12
